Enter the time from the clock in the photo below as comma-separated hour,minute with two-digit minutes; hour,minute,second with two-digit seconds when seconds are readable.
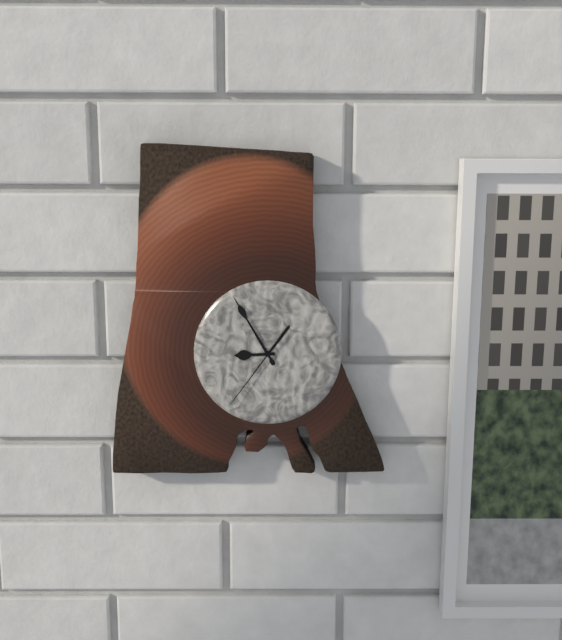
8,55,36
